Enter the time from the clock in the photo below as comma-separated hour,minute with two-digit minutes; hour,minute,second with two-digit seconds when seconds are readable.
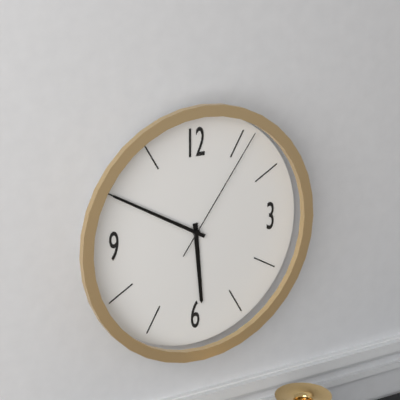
5,50,06
